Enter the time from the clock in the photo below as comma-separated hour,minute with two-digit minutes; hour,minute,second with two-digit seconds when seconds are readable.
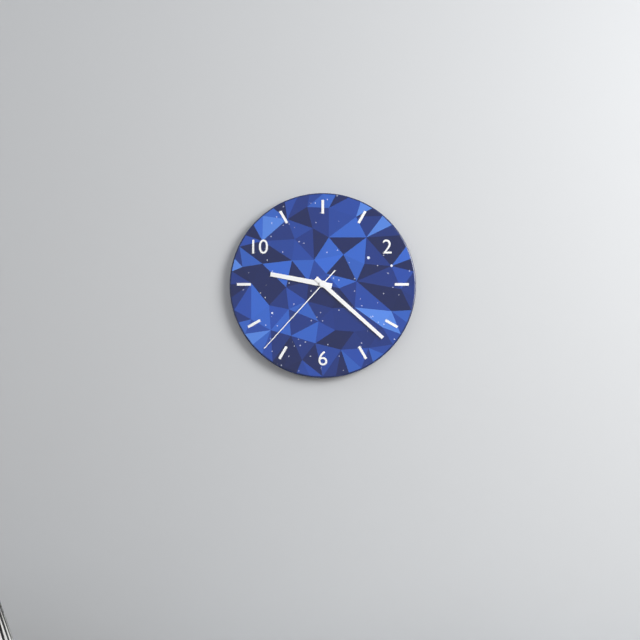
9,22,37
